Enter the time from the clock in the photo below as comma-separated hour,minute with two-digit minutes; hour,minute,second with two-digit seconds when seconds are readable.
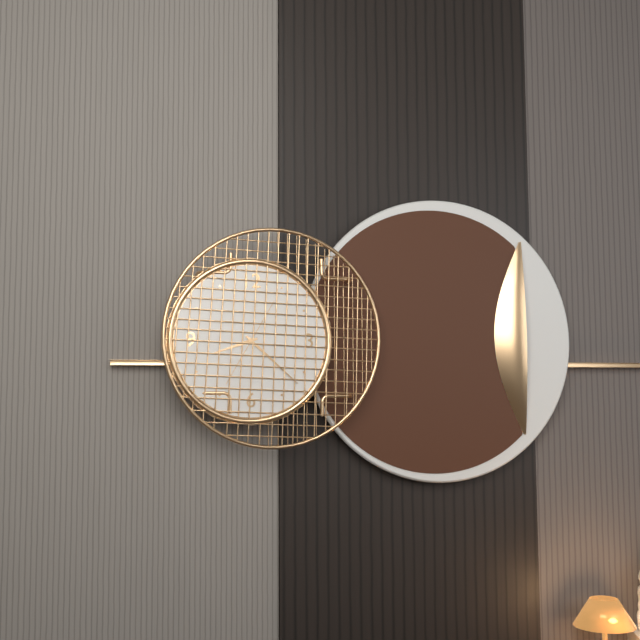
8,22,35
